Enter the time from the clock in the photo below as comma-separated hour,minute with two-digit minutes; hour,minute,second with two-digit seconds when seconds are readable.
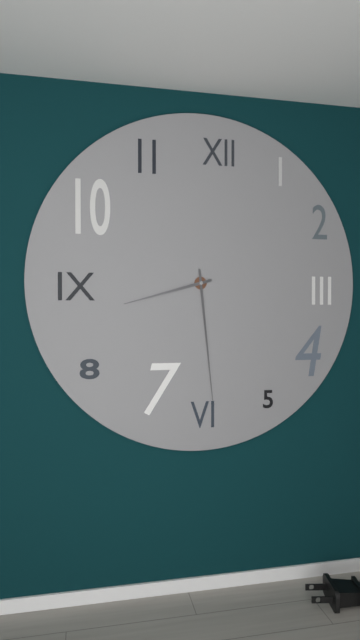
8,29
